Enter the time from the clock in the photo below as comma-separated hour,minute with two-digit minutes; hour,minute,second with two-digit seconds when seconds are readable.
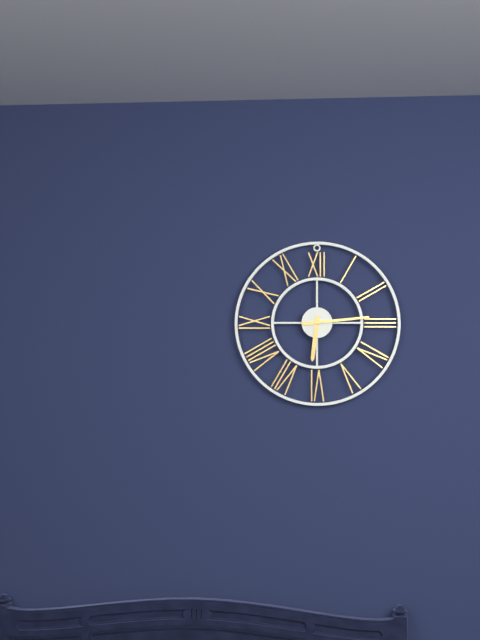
6,14
